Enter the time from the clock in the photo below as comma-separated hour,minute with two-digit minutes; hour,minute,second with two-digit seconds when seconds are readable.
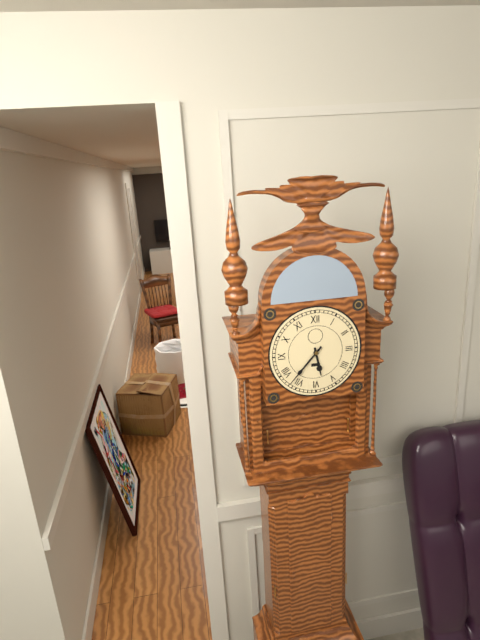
5,37
